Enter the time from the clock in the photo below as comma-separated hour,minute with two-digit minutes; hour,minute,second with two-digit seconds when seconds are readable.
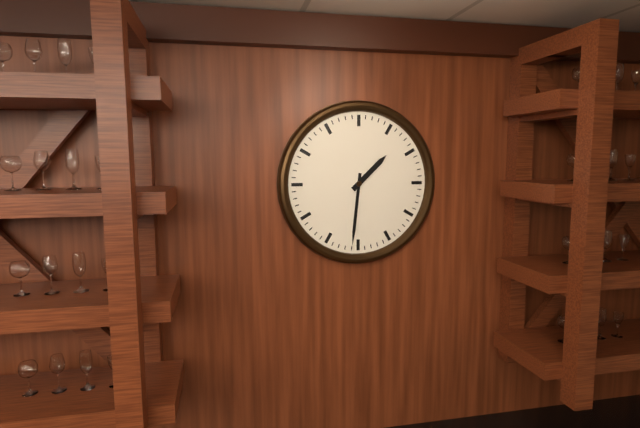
1,31
